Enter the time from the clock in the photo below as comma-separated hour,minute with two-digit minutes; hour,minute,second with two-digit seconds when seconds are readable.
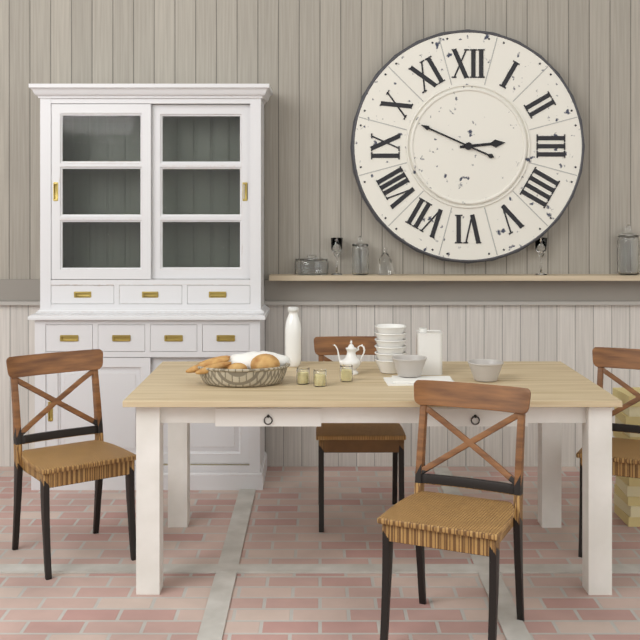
2,49
